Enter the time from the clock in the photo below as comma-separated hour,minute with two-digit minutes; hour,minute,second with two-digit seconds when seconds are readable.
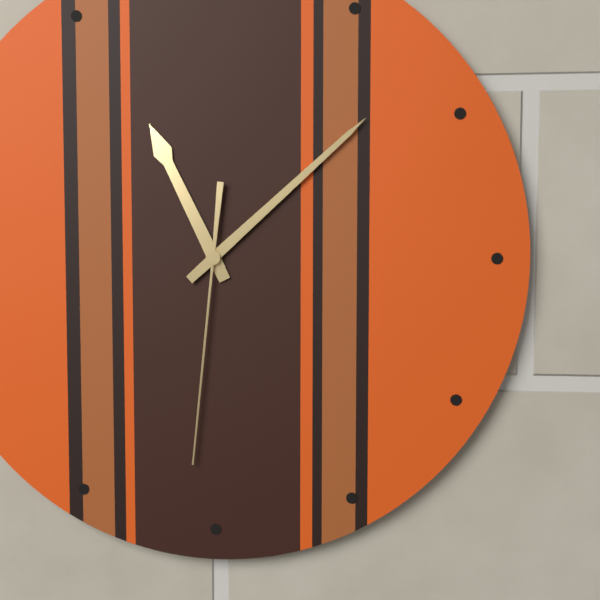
11,08,31
